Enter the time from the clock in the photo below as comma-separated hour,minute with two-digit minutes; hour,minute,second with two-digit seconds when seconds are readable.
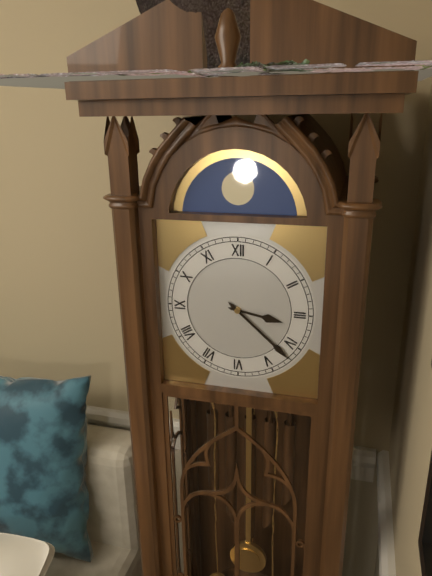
3,22
